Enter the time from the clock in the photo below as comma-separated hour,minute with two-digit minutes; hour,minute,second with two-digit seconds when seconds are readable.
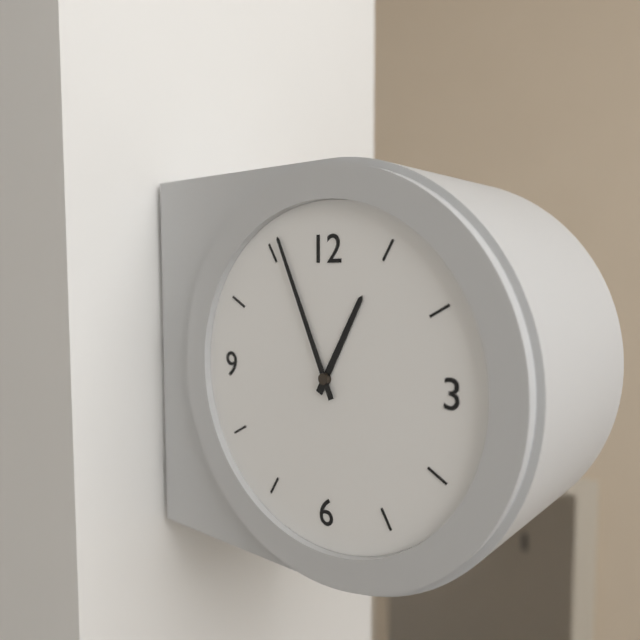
12,56
